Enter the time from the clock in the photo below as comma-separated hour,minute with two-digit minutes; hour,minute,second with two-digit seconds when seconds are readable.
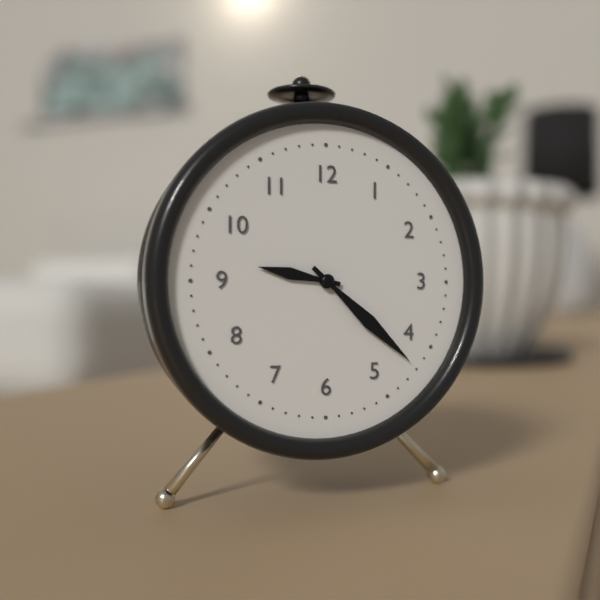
9,22
